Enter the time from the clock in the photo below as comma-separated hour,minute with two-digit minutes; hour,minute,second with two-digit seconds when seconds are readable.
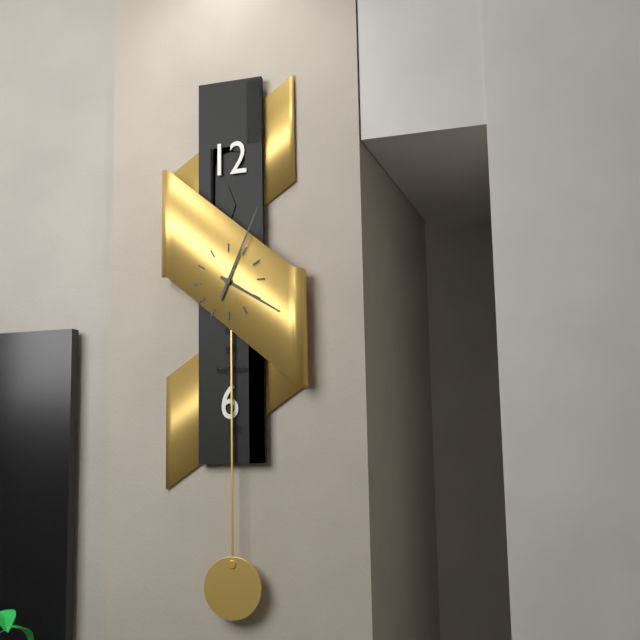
4,04
